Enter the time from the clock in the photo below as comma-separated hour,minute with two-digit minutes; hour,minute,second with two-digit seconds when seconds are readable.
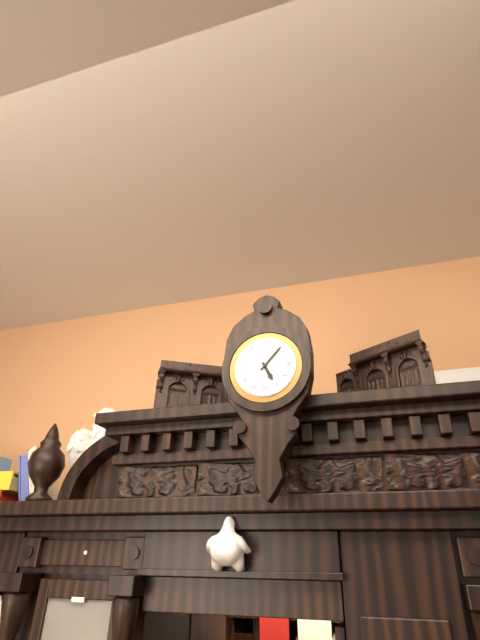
5,07
